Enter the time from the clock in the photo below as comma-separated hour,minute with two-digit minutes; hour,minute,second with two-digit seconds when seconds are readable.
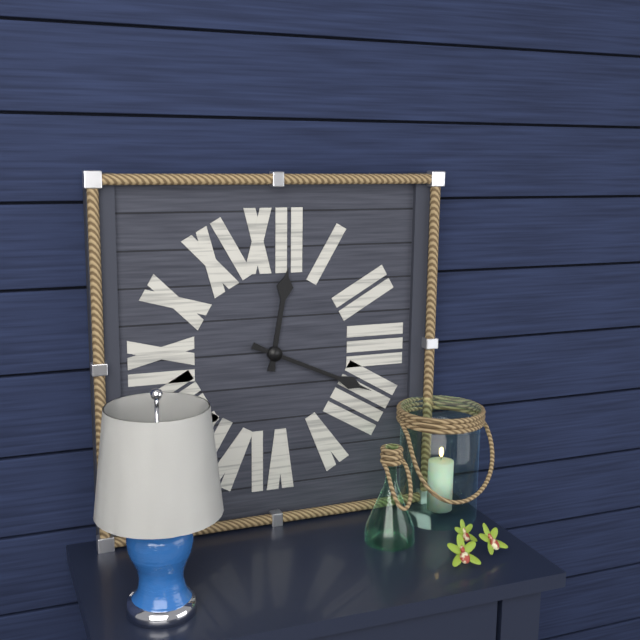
12,19
